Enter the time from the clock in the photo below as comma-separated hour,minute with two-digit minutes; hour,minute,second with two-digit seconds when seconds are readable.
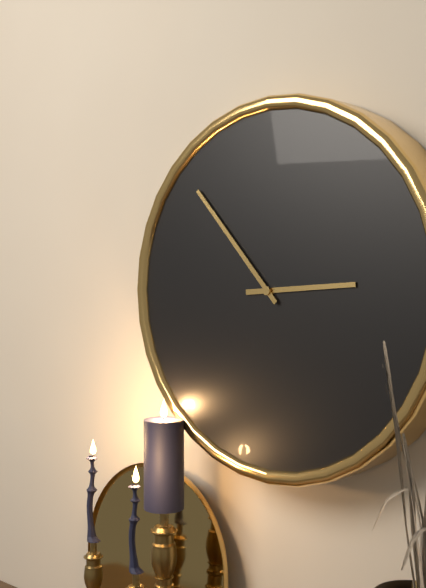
2,53
